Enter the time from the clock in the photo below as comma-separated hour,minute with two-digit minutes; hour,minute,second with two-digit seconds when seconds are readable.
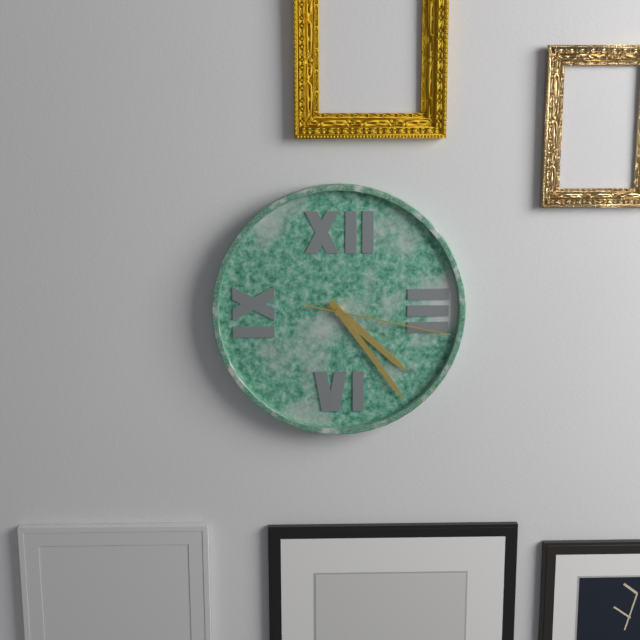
4,24,17
